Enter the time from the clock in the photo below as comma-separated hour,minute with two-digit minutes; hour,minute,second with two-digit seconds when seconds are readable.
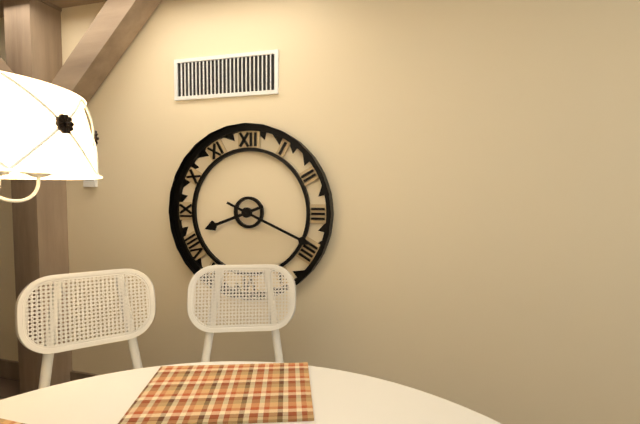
8,19
